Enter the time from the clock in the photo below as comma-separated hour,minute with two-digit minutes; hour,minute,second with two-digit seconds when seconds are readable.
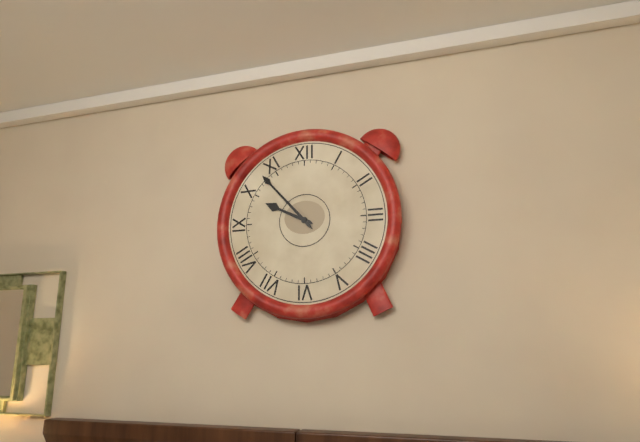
9,53
